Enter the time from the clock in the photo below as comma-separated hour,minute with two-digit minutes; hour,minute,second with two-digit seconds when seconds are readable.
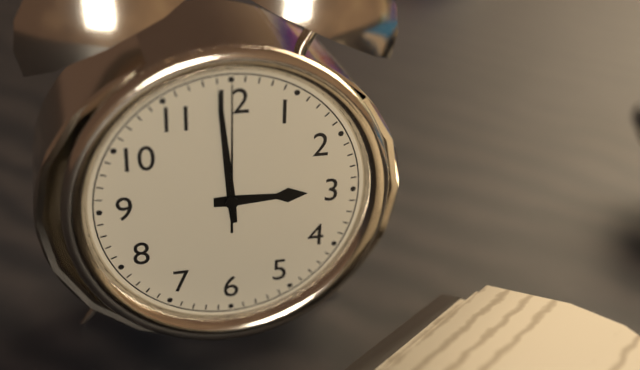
2,59,00
